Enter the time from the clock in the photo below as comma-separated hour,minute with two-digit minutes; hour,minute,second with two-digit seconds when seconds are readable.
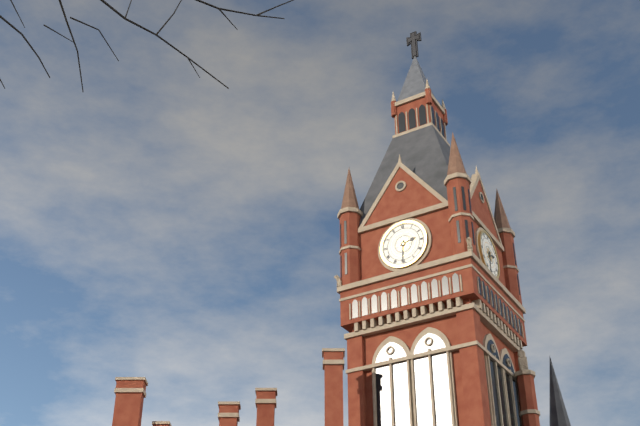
2,31
